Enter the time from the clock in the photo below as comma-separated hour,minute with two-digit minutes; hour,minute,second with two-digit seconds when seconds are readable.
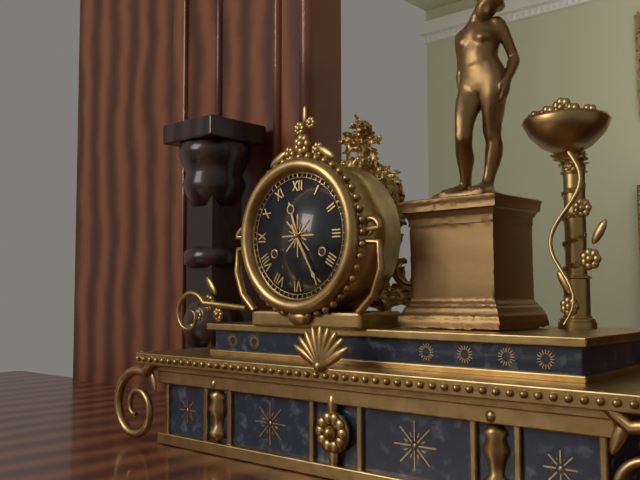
11,25
